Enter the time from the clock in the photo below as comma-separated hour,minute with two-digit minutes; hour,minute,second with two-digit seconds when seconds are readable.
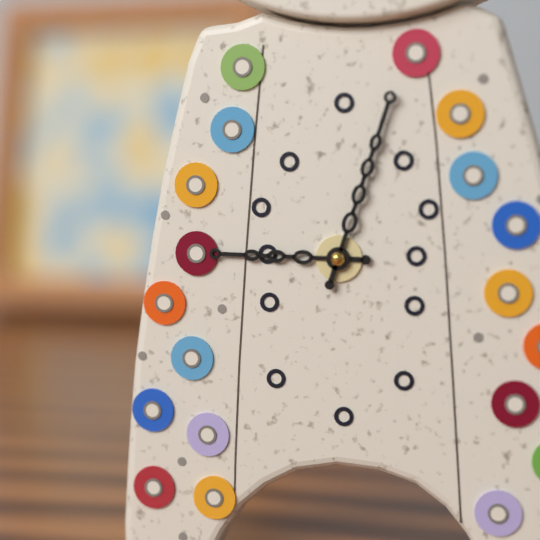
9,03
